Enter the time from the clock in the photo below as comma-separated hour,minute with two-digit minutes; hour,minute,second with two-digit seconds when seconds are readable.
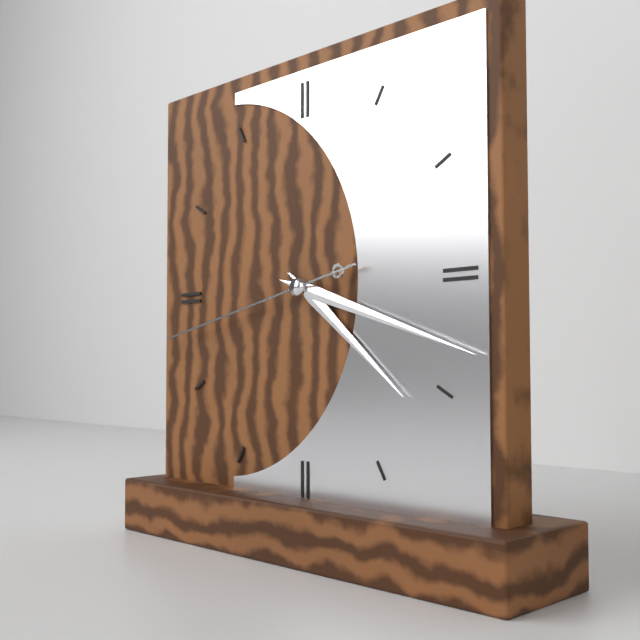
4,18,43
